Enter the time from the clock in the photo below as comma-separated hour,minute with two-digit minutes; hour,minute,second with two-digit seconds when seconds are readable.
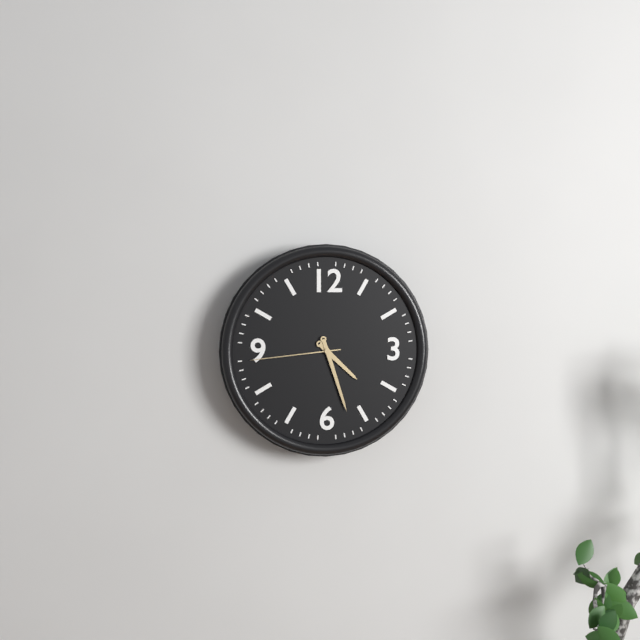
4,27,44
